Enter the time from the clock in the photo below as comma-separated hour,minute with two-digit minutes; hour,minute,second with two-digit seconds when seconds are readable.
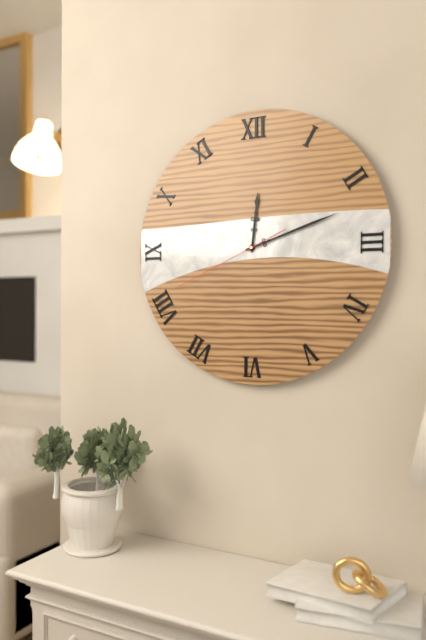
12,12,41
